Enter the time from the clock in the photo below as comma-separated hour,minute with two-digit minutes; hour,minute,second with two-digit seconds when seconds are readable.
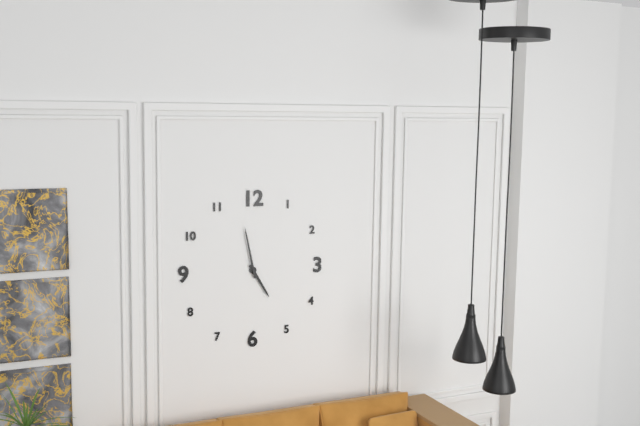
4,58
